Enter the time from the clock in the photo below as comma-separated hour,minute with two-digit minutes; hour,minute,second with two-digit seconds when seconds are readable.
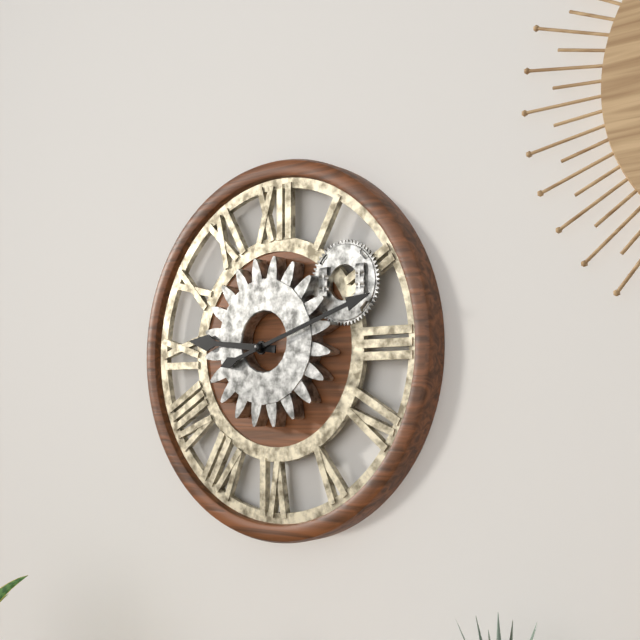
9,12
